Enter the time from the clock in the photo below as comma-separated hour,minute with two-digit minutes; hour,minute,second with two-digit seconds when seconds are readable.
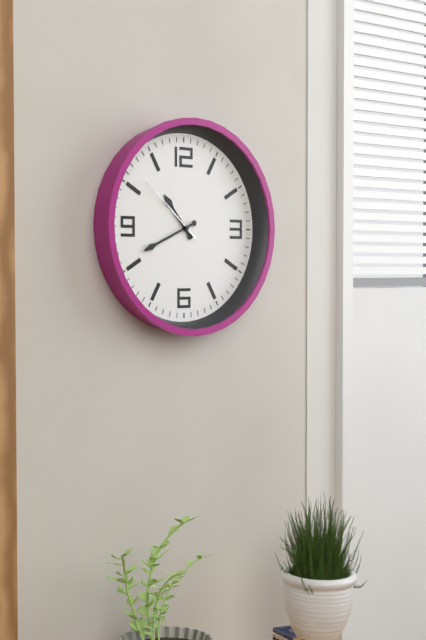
10,41,52
